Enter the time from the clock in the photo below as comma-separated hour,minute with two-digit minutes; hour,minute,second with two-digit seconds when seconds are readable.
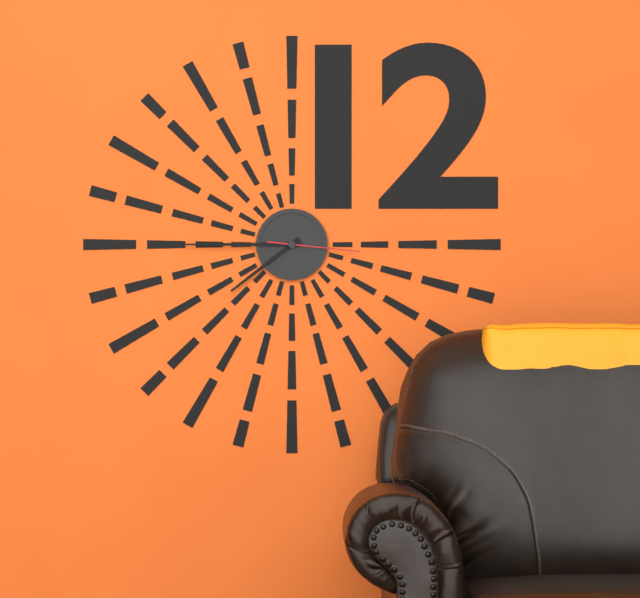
7,45,16
